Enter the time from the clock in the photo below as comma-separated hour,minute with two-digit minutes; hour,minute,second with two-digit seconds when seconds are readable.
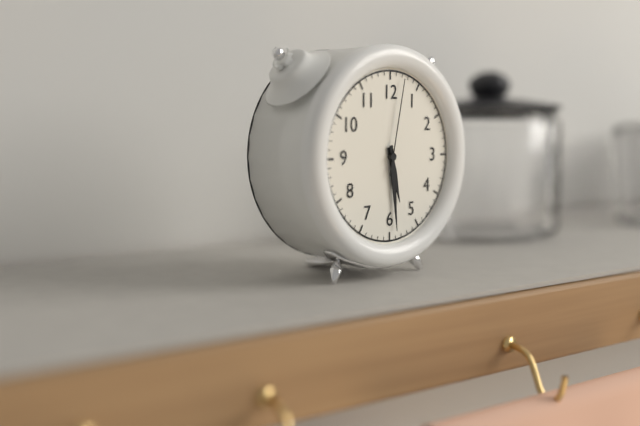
5,29,02
